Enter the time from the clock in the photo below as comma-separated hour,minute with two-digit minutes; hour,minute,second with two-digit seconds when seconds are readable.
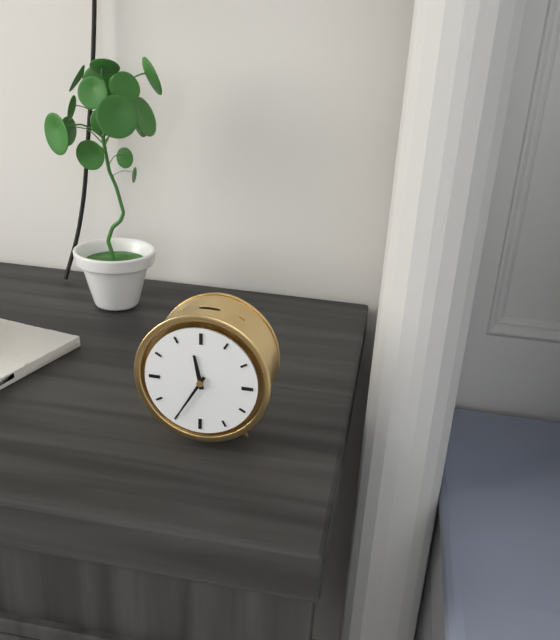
11,35
